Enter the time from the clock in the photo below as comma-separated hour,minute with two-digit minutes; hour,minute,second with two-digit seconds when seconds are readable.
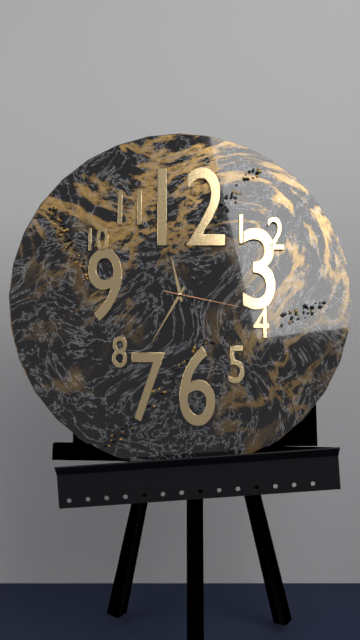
11,35,17
